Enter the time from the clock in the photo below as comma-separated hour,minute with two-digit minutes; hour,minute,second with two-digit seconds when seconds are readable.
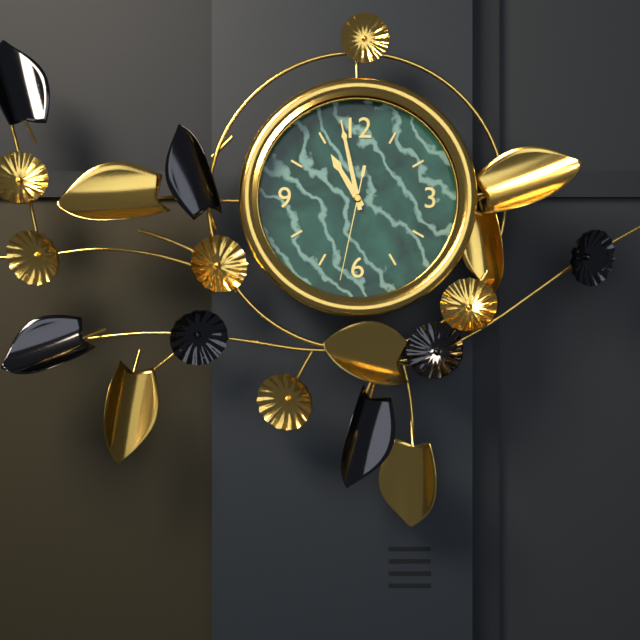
10,58,32
